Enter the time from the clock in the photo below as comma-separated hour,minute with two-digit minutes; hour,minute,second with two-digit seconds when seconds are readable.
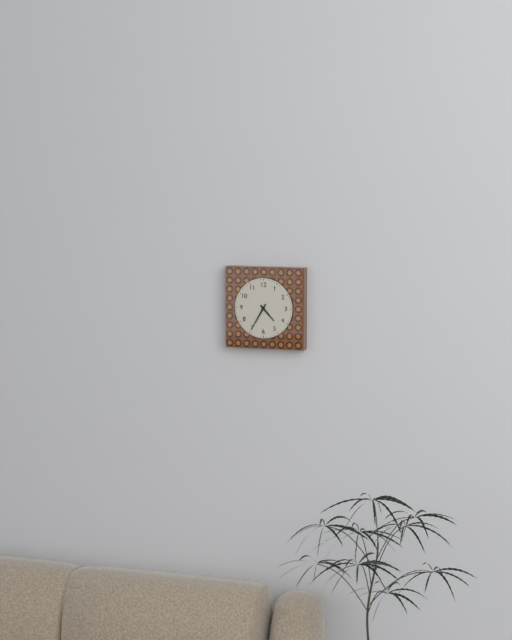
4,35
